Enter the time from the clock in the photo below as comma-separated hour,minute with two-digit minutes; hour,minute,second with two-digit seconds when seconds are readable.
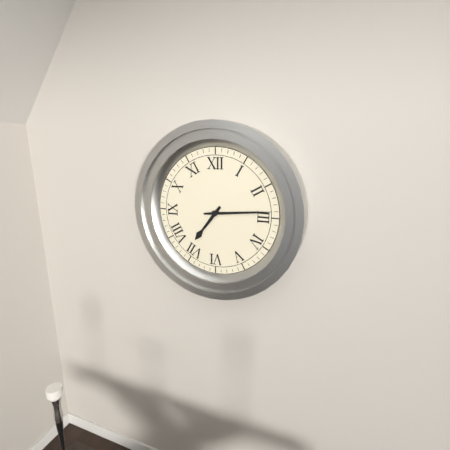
7,14
